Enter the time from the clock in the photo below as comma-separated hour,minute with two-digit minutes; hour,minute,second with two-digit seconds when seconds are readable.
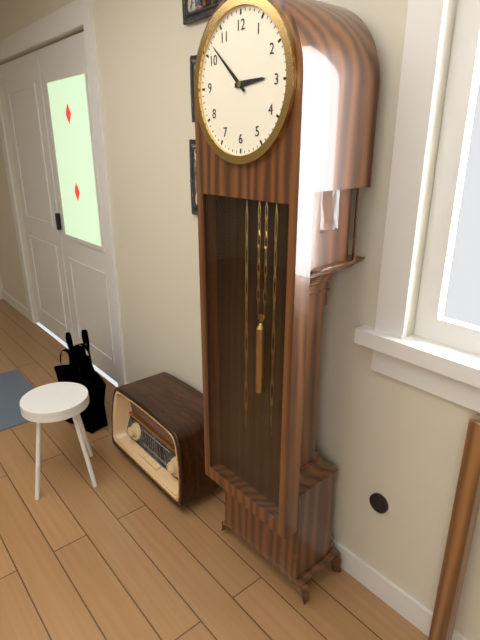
2,52
